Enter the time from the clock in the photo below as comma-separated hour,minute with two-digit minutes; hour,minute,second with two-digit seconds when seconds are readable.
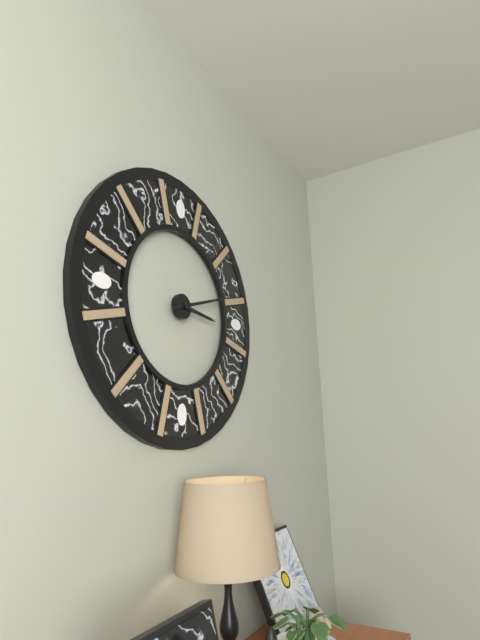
3,12
